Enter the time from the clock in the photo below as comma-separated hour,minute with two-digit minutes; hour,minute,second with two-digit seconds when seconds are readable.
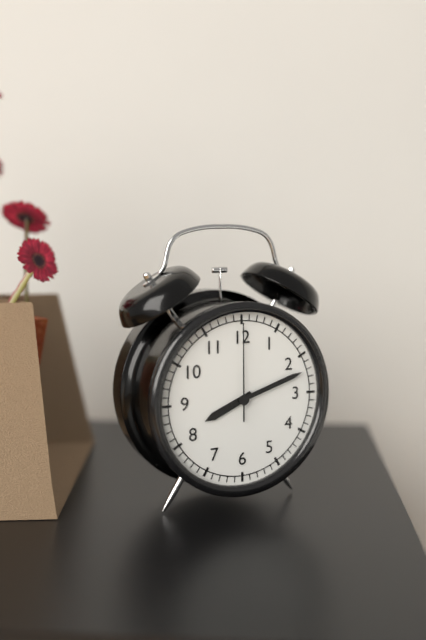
8,12,00
